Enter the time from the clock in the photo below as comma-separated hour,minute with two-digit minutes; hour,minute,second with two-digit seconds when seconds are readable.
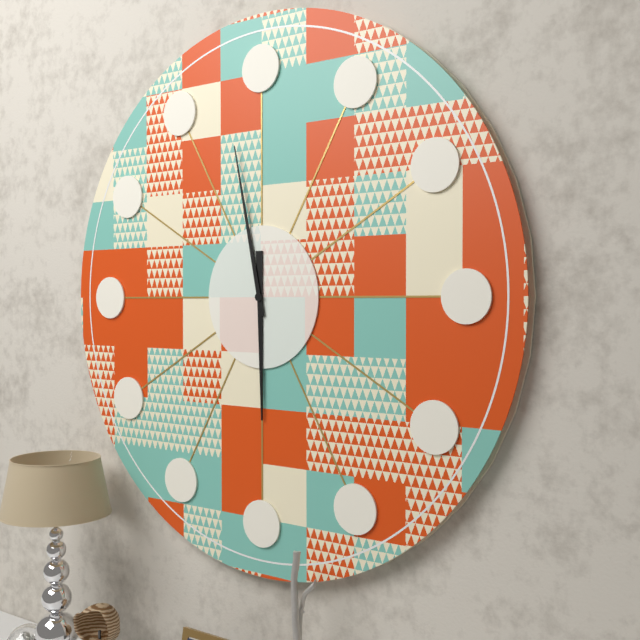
5,58
